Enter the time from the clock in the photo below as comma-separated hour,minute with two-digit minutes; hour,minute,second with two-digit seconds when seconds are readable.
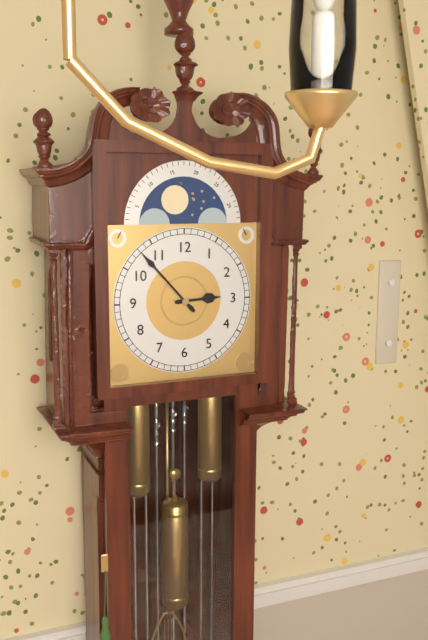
2,53
